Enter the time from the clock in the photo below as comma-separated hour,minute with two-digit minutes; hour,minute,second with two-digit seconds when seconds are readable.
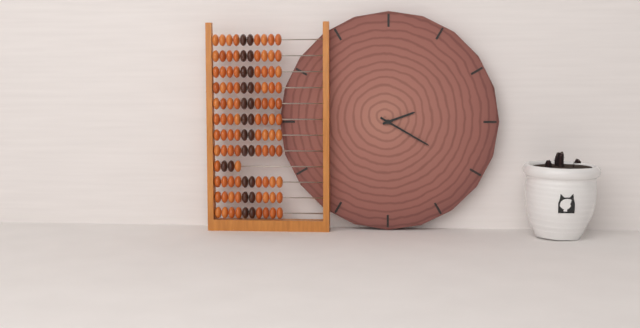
2,20
